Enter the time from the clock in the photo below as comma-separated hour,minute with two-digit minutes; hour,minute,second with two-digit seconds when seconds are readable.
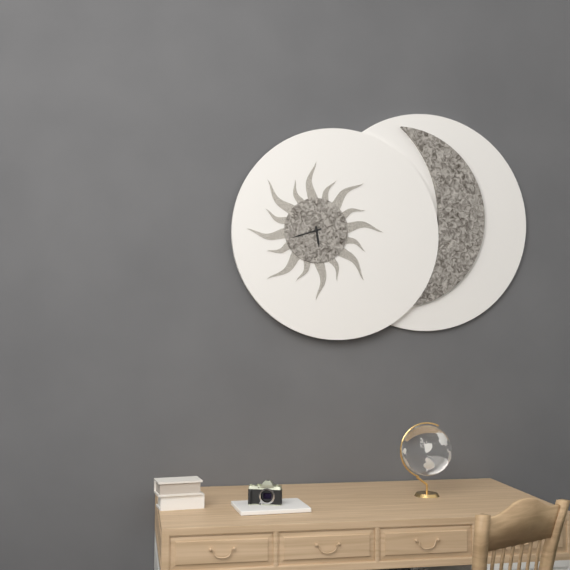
5,42
